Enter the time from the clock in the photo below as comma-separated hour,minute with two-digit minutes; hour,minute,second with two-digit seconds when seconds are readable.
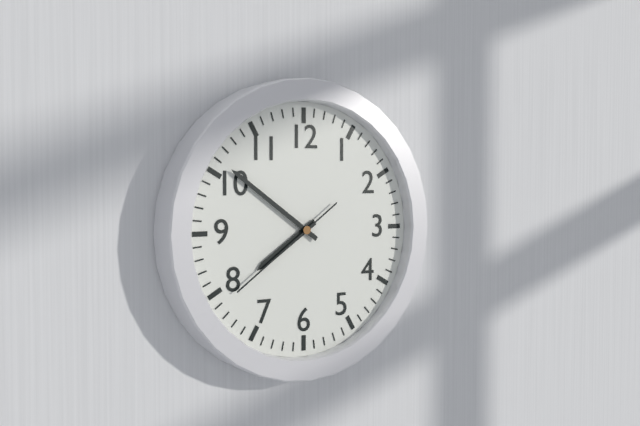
7,51,39
